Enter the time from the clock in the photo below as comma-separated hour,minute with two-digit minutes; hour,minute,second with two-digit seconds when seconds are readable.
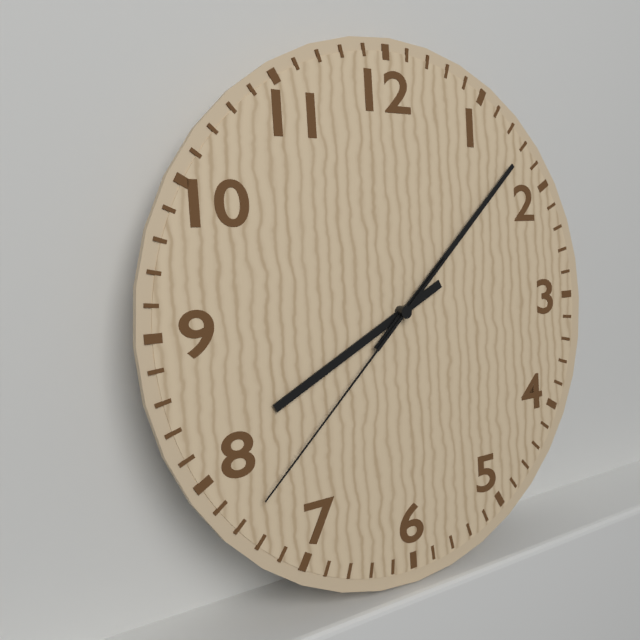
8,08,38
